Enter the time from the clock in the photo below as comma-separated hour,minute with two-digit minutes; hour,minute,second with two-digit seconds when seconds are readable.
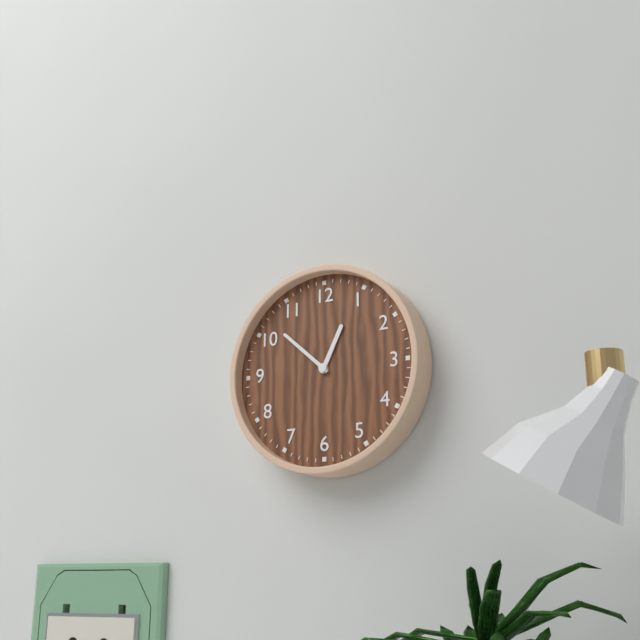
12,52
